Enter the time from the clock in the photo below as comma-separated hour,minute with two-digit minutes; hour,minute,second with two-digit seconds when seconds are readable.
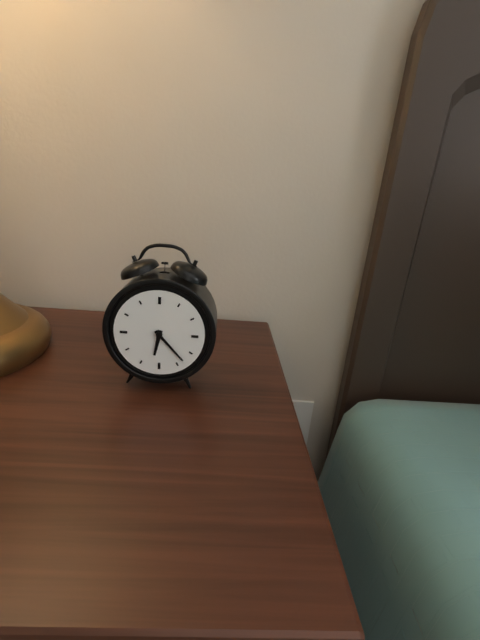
6,23
